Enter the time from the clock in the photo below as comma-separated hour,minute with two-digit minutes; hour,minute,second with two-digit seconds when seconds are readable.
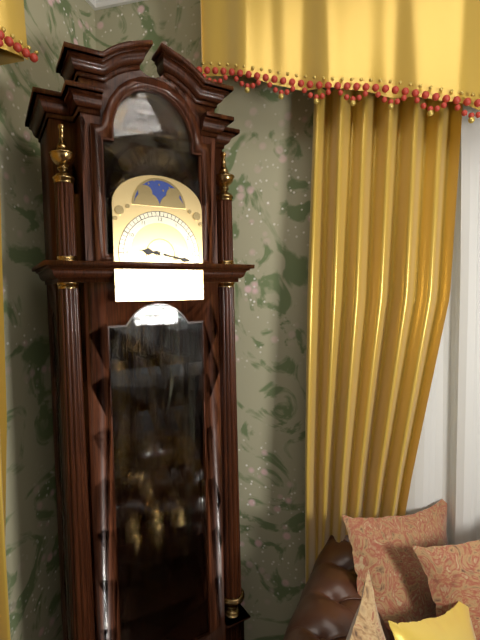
9,17
